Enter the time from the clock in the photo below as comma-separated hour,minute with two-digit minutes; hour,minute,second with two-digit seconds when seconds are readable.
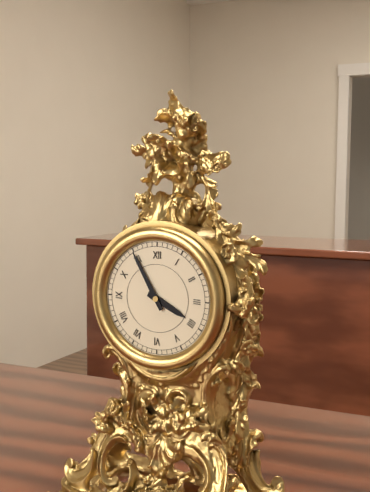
3,55
